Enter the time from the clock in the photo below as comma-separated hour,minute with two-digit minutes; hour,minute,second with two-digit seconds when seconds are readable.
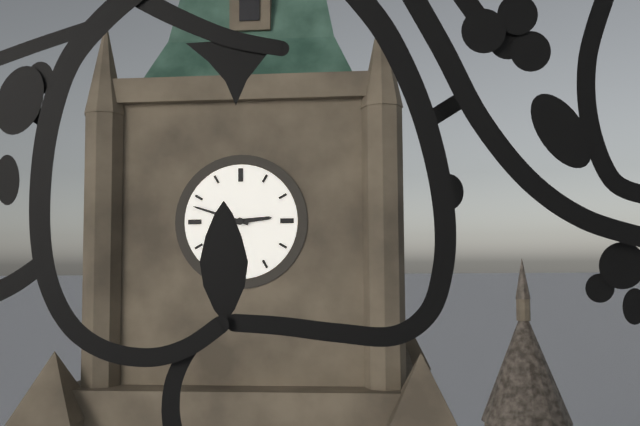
2,48
